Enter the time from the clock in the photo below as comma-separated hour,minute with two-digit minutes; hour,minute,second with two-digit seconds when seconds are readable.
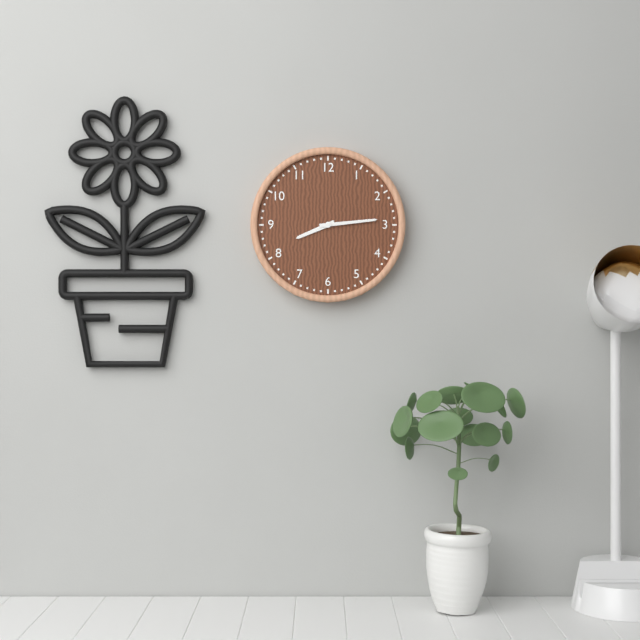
8,14
